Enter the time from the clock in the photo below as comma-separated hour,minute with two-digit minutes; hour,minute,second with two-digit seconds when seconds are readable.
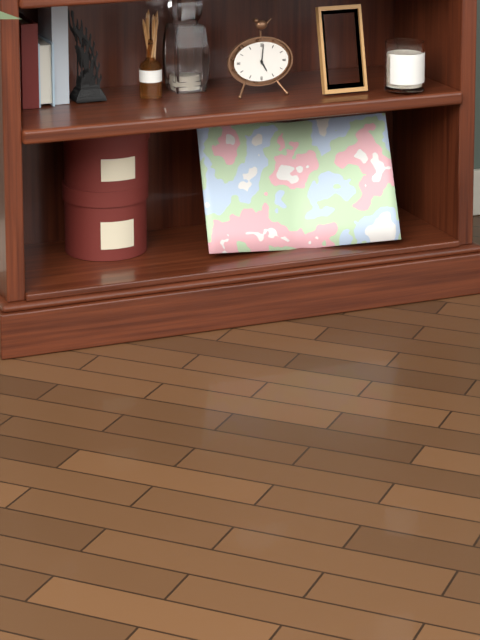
5,01
